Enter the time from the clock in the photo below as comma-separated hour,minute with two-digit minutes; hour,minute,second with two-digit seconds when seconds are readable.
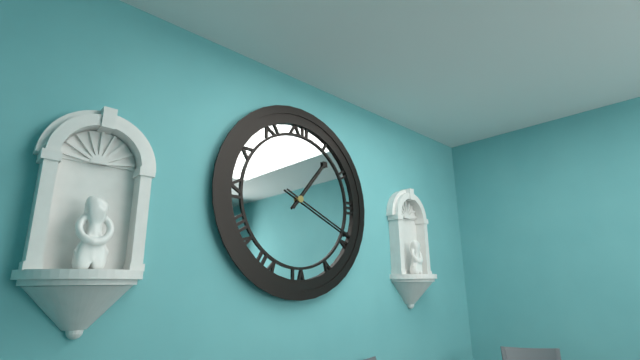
1,19
